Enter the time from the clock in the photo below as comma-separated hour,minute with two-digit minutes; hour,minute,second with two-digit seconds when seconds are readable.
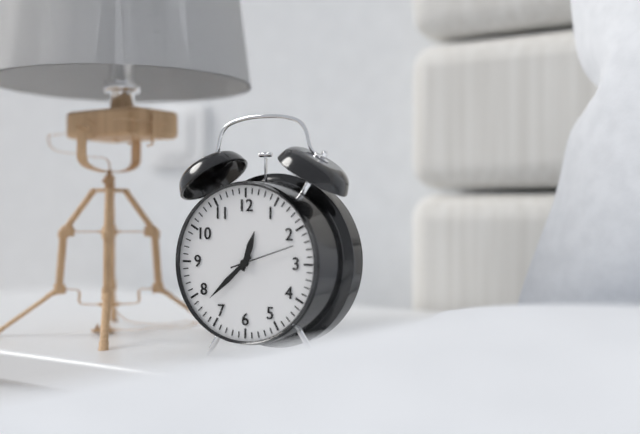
12,38
